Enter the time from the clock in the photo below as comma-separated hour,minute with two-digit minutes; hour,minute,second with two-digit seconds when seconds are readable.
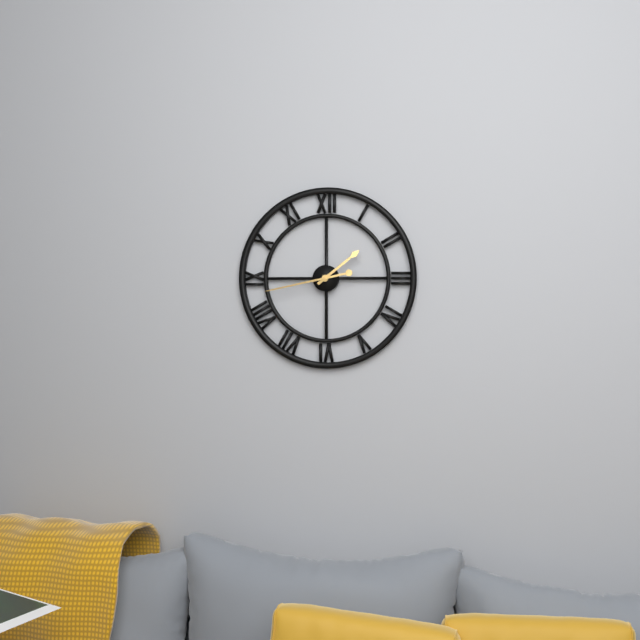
1,43
